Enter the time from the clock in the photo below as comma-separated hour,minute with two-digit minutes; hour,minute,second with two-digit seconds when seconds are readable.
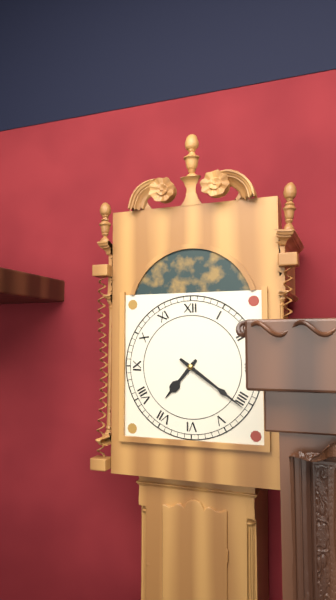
7,21
